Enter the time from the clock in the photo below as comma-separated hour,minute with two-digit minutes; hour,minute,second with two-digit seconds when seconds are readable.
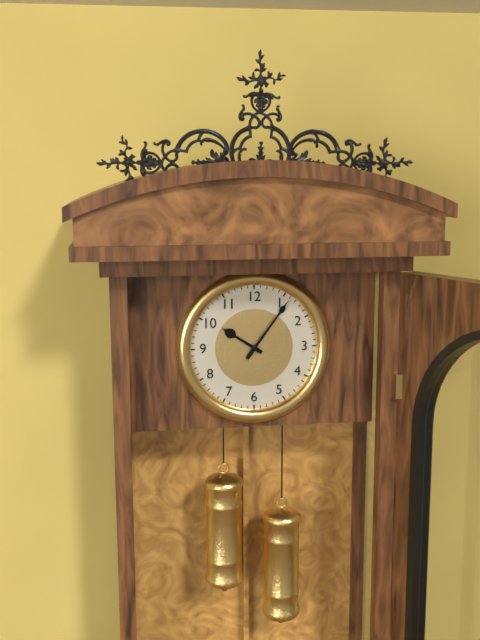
10,06
